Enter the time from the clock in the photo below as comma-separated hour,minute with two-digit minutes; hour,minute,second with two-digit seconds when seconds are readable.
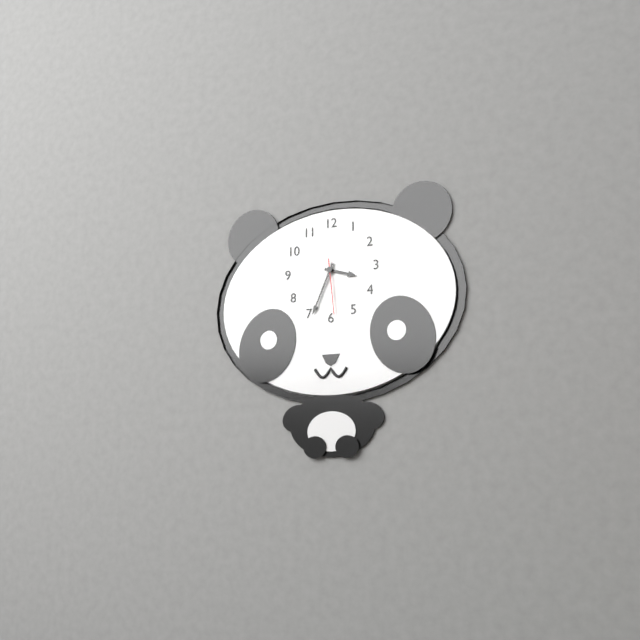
3,34,29
